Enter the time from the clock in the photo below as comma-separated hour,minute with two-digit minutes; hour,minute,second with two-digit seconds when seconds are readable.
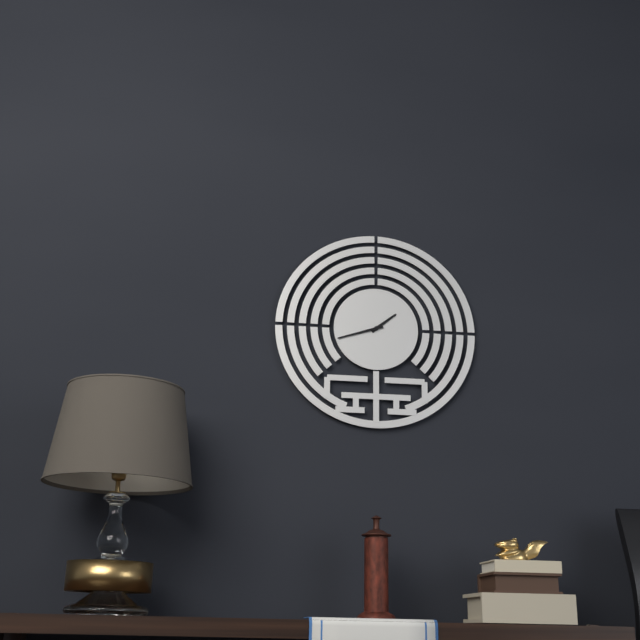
1,42
